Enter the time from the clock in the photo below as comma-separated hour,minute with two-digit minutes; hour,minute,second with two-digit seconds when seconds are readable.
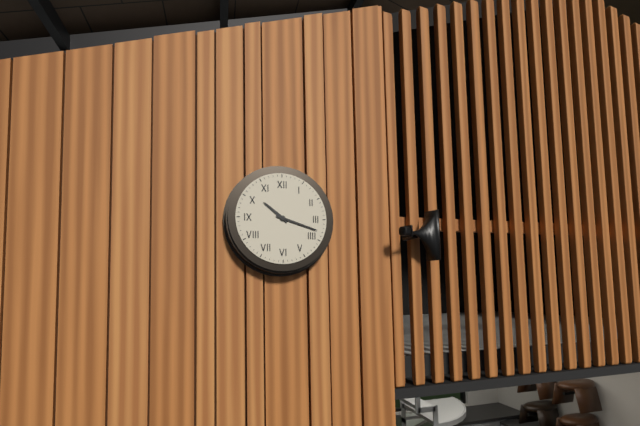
10,18
